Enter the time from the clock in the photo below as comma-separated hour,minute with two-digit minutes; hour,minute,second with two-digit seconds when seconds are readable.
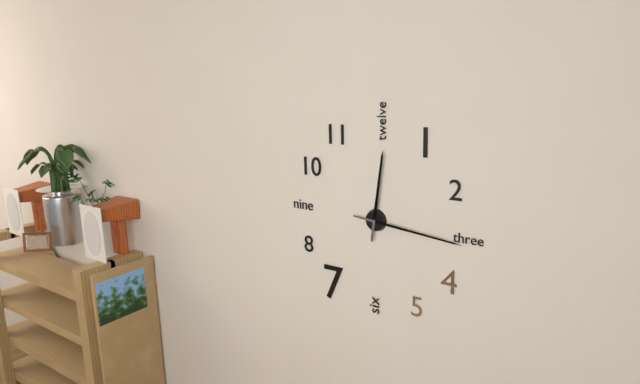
12,16
